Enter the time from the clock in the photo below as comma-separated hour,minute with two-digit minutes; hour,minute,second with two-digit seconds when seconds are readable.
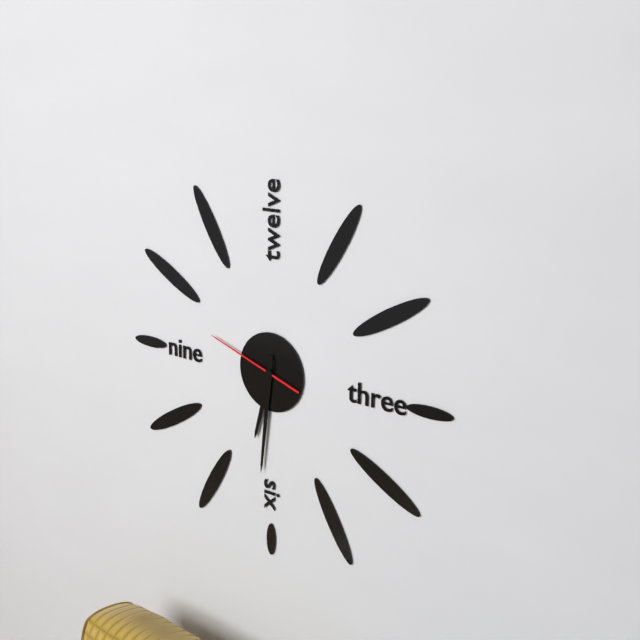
6,31,48
